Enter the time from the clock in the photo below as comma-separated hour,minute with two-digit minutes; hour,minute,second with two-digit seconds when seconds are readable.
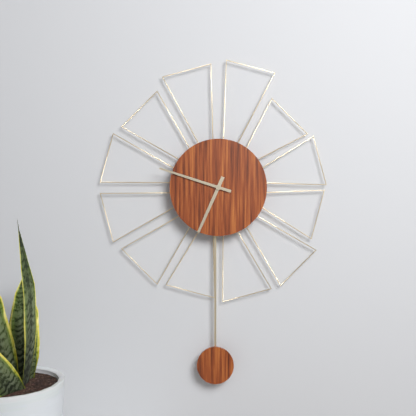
6,48
